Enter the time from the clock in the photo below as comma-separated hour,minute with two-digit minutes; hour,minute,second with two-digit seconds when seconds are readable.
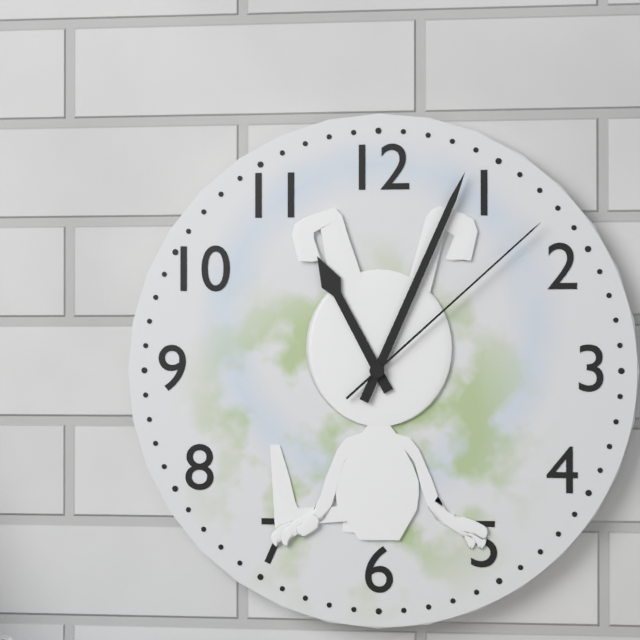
11,04,08
